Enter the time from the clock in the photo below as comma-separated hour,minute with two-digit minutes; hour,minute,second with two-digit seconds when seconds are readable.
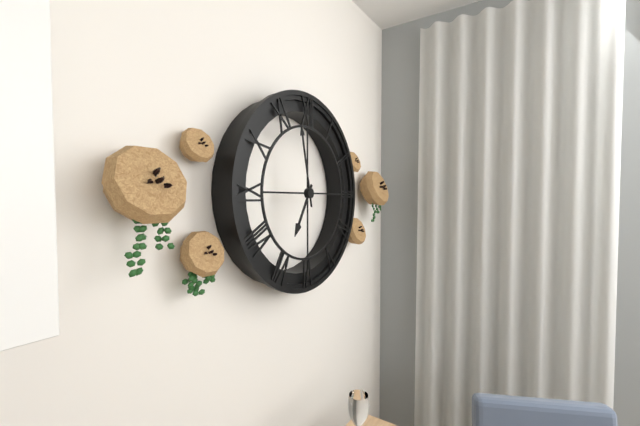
6,58
